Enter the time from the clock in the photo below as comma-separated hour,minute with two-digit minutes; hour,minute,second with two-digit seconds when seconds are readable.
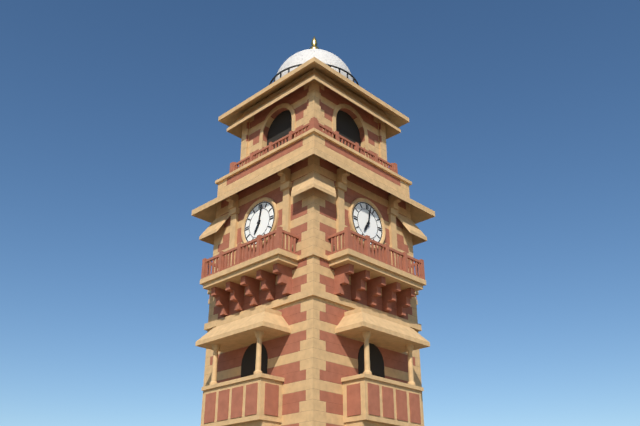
7,02
